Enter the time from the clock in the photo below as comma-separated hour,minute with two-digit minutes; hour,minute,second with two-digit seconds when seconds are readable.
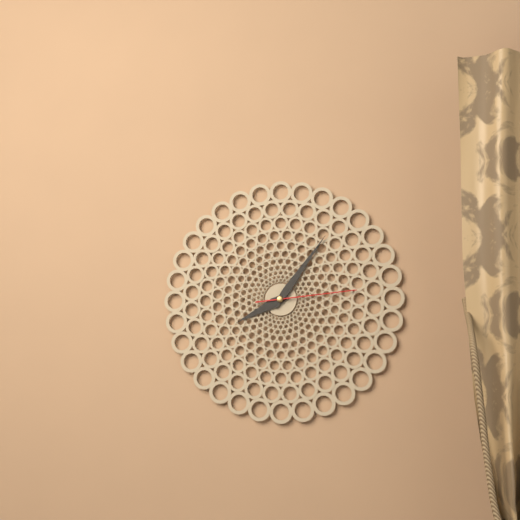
8,06,14
